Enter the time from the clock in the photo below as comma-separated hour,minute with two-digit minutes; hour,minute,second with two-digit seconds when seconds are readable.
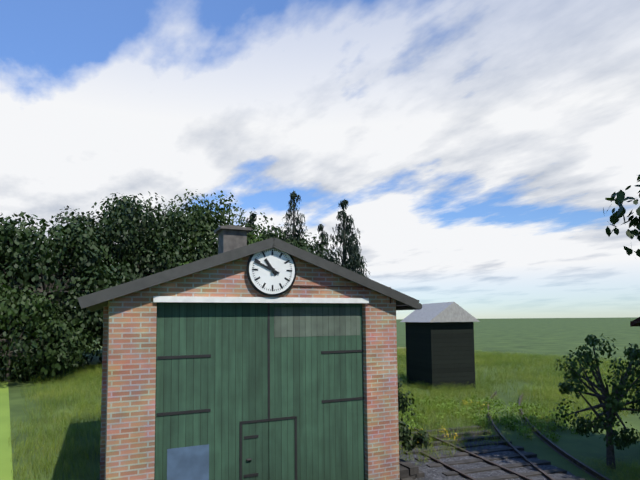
10,49
